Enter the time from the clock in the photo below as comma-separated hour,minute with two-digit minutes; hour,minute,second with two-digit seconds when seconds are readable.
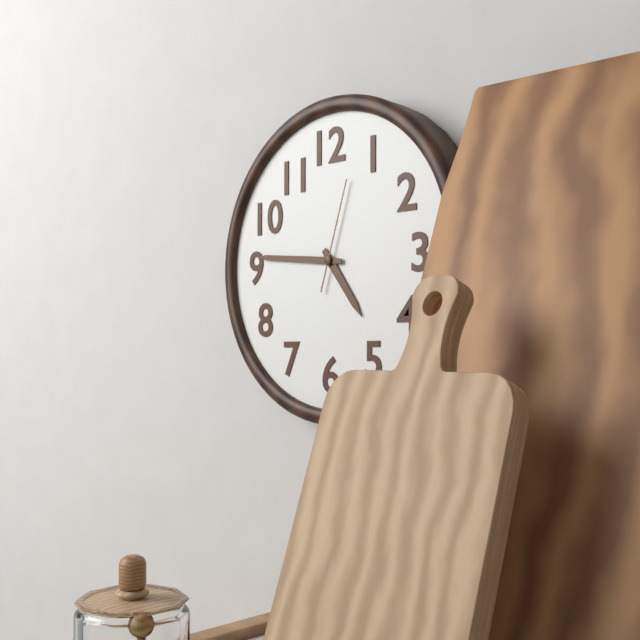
4,46,03
